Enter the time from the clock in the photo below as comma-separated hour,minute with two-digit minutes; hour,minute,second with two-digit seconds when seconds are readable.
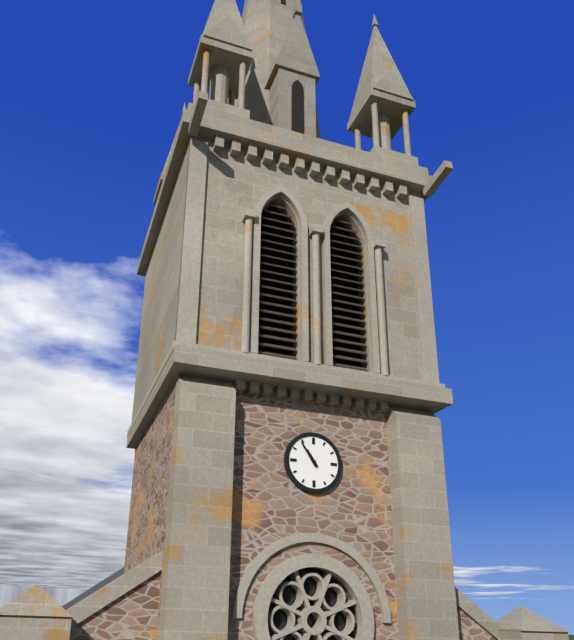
10,54
